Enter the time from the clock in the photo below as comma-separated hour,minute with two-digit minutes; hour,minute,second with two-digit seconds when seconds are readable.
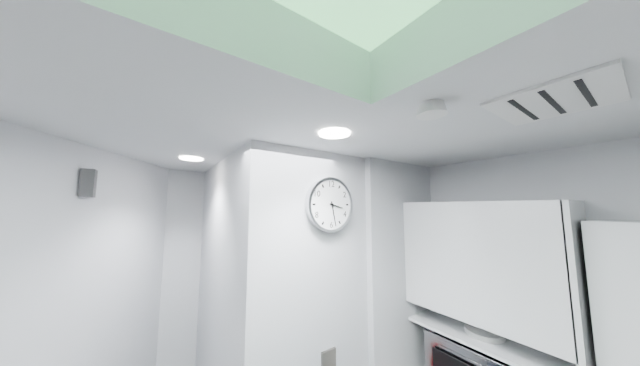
3,28
